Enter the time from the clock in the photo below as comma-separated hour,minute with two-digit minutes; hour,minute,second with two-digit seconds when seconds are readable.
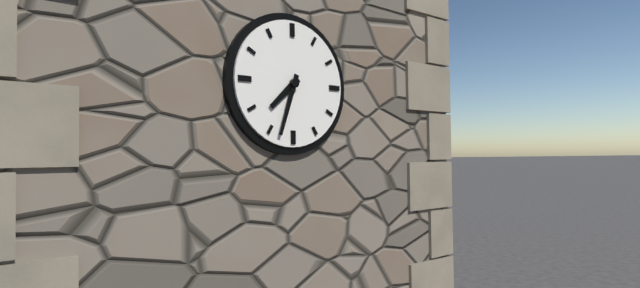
7,33
